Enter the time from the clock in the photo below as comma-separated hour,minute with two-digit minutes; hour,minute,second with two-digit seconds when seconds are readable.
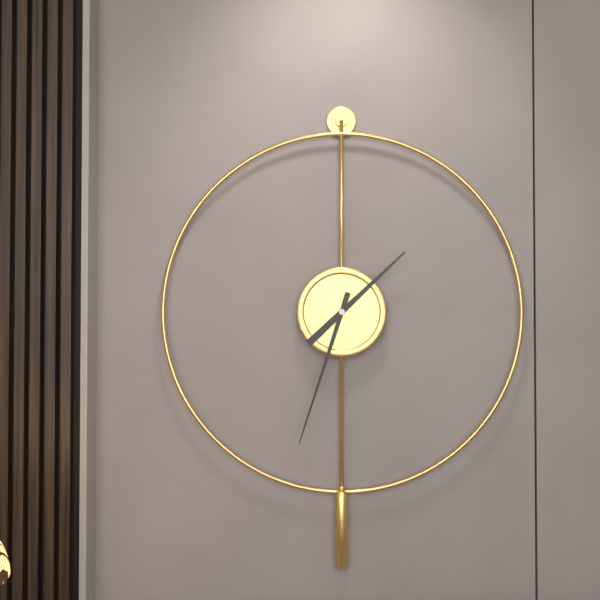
1,33
